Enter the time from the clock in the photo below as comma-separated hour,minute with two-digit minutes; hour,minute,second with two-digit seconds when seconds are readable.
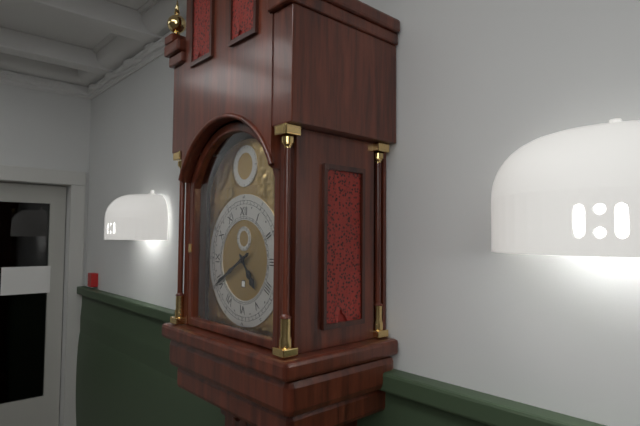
4,40
